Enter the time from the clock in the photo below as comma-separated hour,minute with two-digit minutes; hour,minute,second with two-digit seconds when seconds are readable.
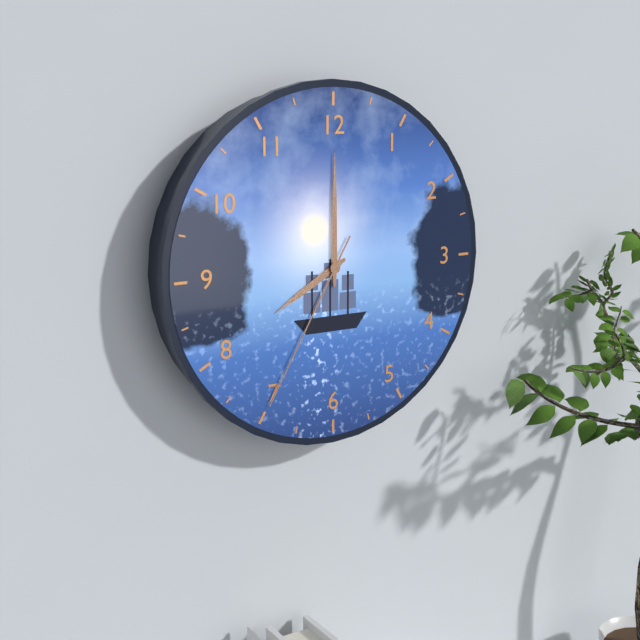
8,00,35
